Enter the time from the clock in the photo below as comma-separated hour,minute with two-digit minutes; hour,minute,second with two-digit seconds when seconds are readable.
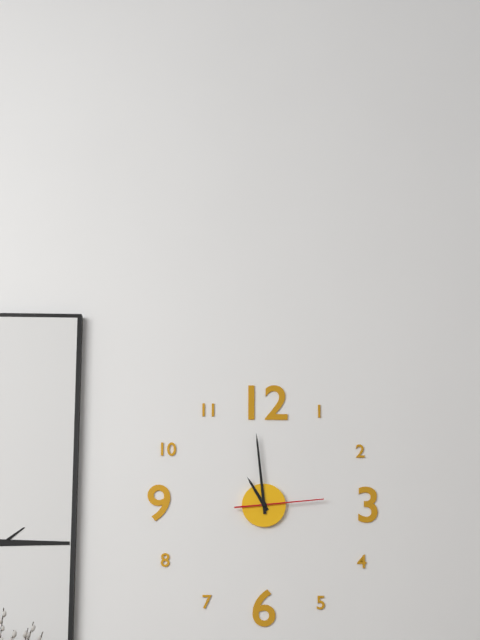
10,59,14
